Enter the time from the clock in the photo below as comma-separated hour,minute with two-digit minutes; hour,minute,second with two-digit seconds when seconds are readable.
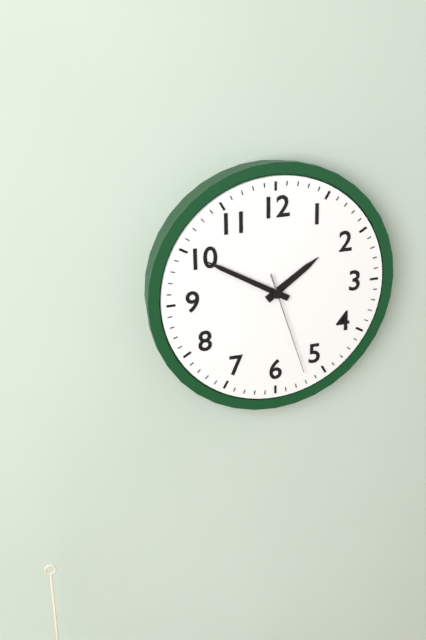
1,50,27
